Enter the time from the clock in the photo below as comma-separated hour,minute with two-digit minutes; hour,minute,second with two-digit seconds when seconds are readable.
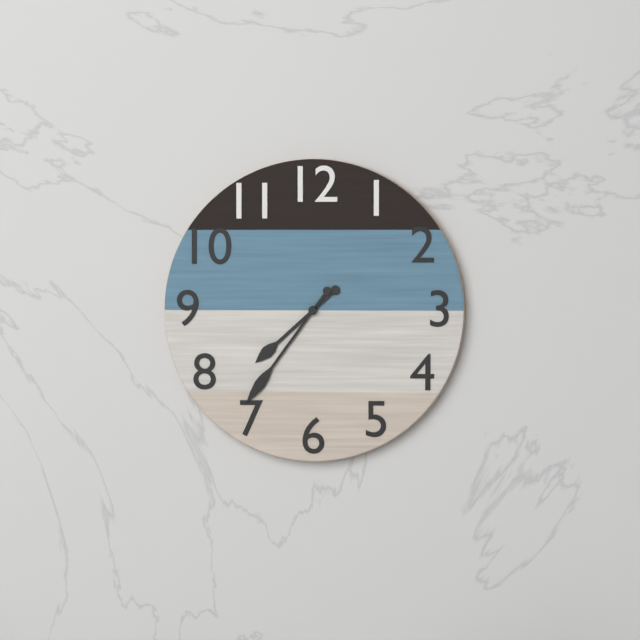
7,36
